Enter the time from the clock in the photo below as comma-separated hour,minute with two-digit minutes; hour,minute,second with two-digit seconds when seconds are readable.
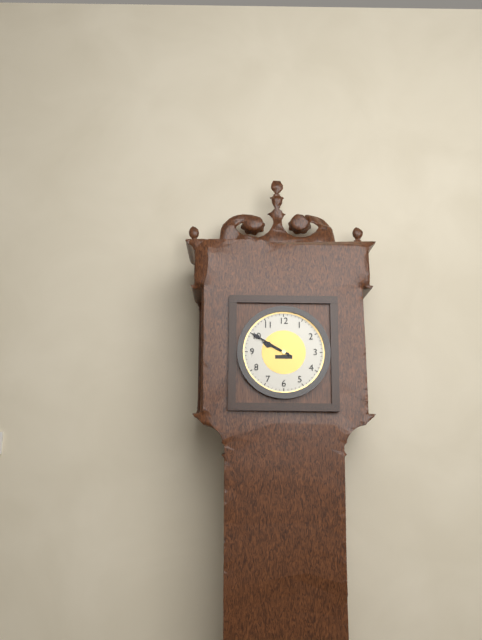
9,50
